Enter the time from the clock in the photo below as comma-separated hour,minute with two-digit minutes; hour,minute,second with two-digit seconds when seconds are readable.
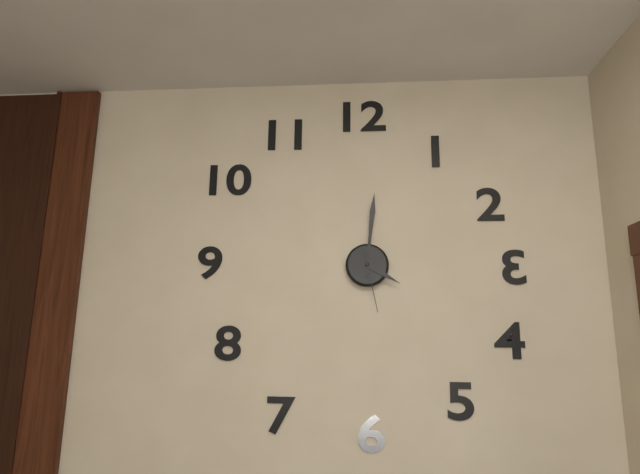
4,01,28
